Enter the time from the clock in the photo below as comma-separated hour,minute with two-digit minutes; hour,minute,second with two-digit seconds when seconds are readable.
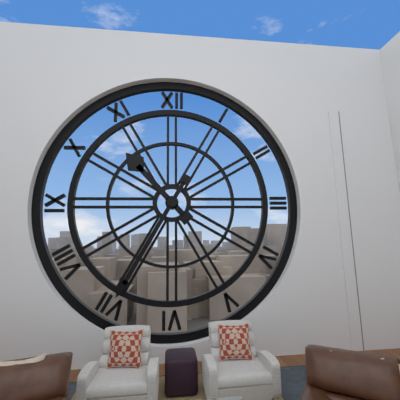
10,35
